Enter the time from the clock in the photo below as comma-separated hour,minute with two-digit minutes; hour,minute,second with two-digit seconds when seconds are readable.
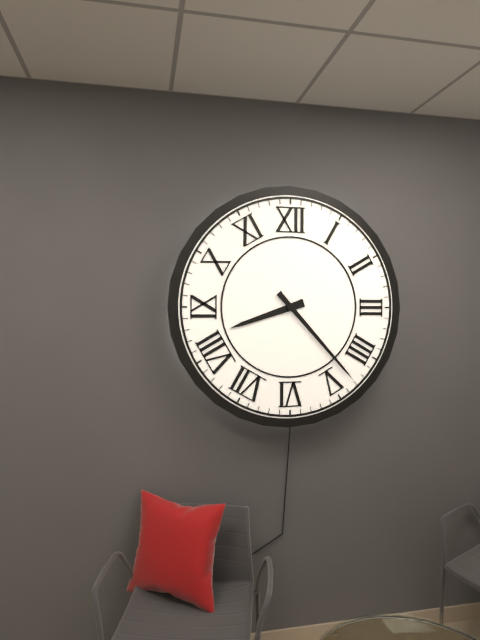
8,23
